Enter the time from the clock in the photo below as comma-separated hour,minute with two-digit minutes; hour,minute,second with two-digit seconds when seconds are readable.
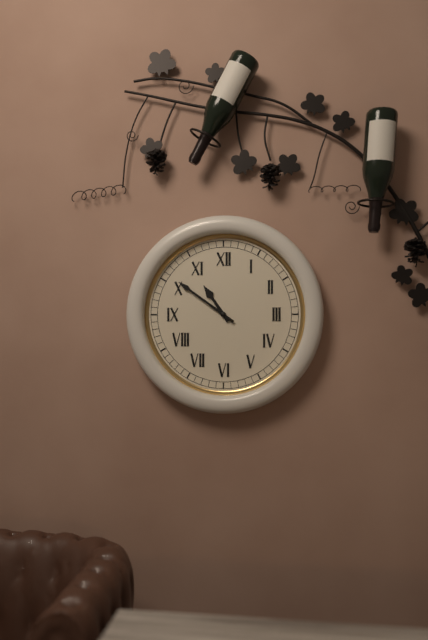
10,51
